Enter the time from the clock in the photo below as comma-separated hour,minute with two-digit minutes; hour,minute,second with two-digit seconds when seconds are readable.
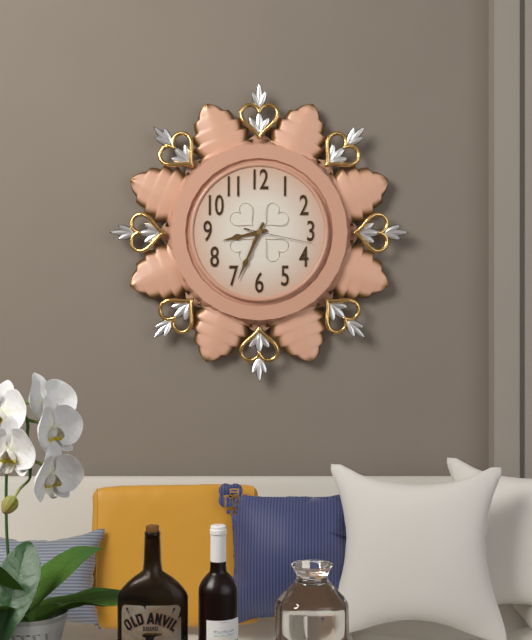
8,34,17
